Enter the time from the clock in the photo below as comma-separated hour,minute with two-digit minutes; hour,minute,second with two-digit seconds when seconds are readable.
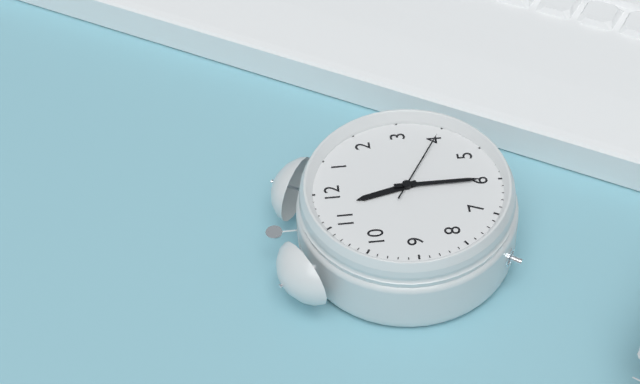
11,30,20
